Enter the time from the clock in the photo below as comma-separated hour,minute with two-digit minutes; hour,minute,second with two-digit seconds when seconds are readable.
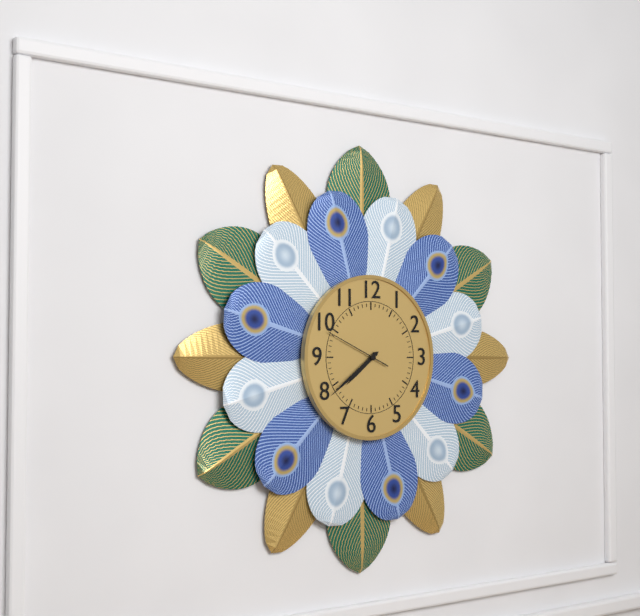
7,39,49
